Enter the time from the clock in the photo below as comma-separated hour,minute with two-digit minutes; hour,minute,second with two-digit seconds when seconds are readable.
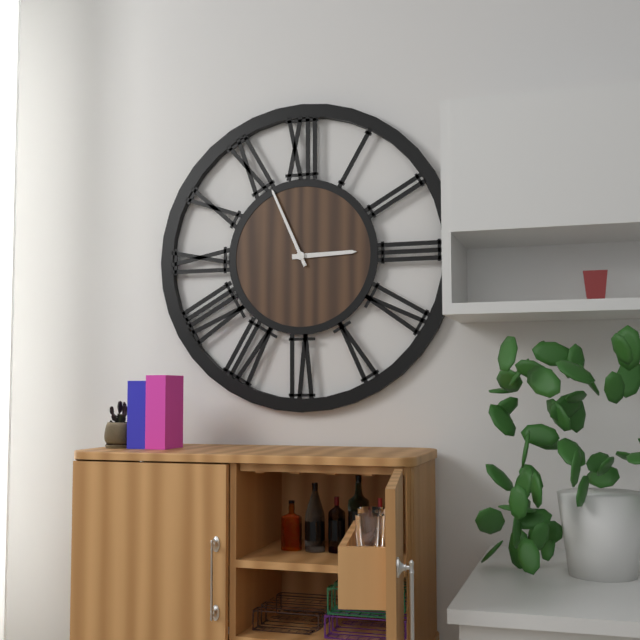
2,56
